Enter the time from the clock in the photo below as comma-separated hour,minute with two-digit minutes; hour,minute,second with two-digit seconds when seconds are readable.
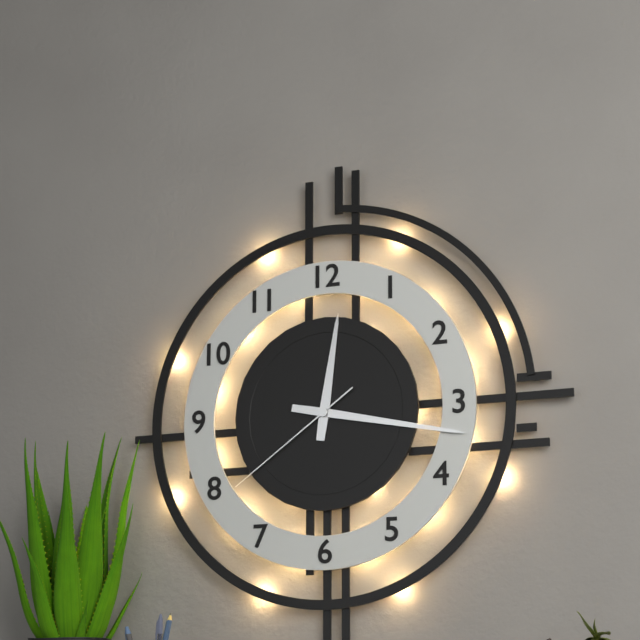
12,17,39
